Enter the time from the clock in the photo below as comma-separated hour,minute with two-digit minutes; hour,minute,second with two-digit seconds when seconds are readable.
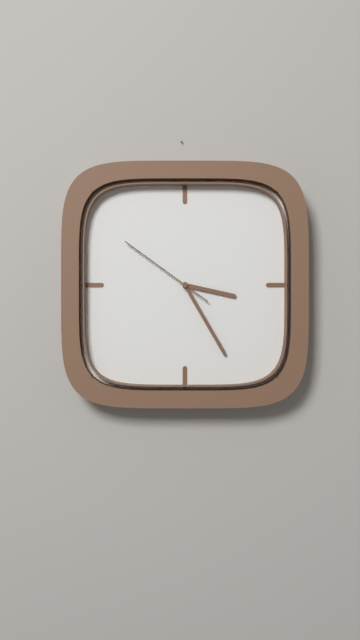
3,25,51
